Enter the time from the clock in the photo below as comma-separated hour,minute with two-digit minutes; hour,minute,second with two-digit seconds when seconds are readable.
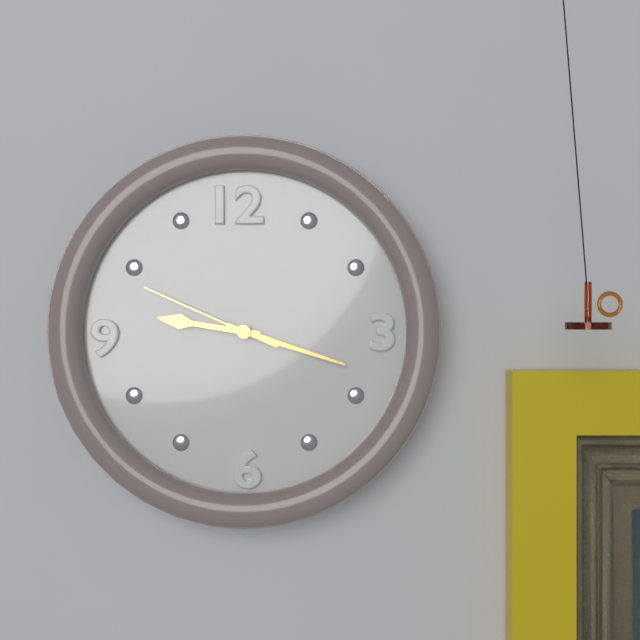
9,18,49
